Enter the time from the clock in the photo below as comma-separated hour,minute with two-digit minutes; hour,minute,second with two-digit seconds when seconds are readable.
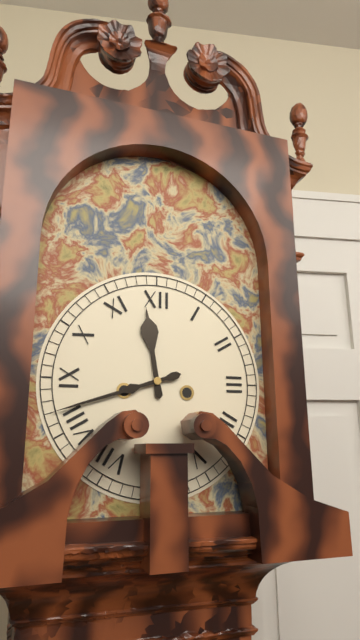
11,42
